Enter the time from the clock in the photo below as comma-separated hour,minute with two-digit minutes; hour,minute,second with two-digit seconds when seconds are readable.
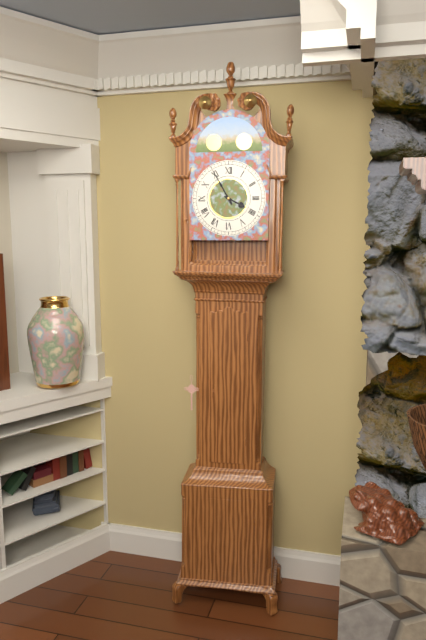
3,55
